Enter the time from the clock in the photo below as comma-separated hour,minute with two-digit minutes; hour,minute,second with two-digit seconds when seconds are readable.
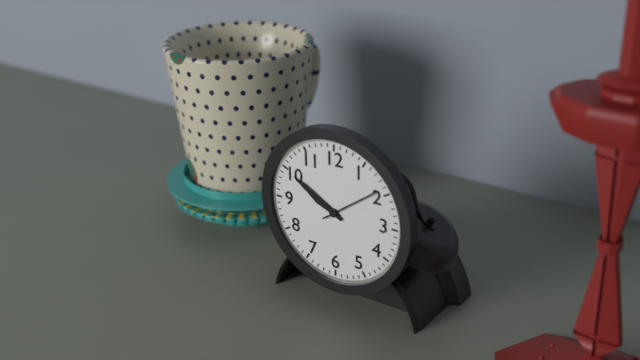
9,50
